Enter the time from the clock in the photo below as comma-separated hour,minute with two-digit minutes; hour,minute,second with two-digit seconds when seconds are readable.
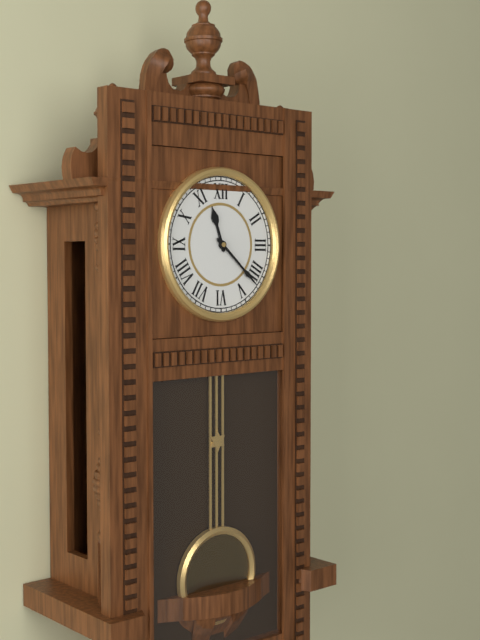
11,22
